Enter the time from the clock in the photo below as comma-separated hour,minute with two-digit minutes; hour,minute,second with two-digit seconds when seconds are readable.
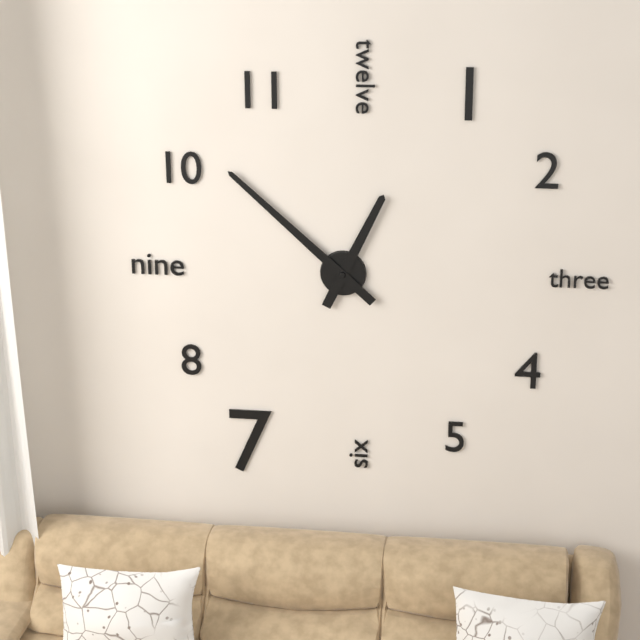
12,52
